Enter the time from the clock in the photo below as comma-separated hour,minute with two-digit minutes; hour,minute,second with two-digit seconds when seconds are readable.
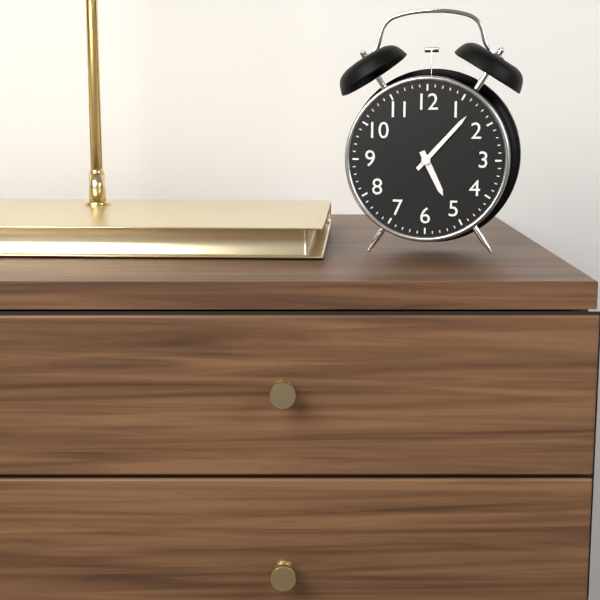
5,07
